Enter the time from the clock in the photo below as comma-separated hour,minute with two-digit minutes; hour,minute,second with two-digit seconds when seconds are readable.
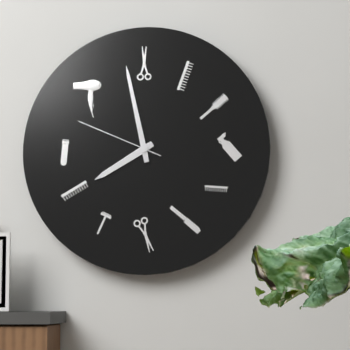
7,58,49
